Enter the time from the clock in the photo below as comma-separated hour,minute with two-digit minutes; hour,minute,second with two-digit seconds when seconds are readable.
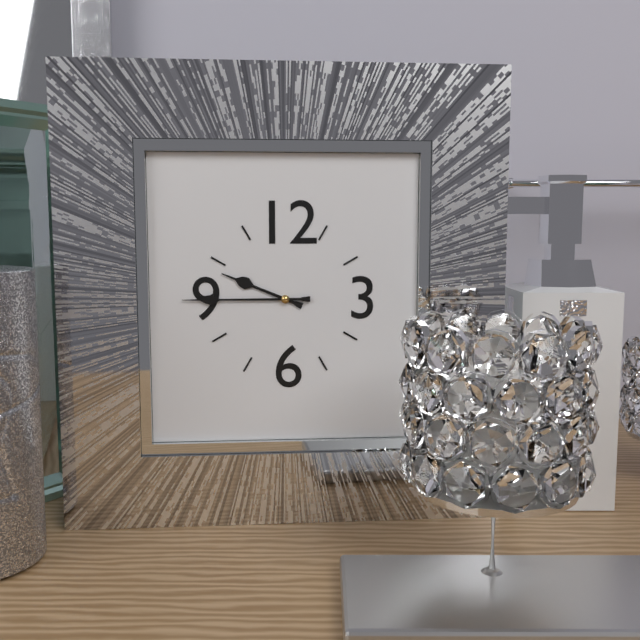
9,45
